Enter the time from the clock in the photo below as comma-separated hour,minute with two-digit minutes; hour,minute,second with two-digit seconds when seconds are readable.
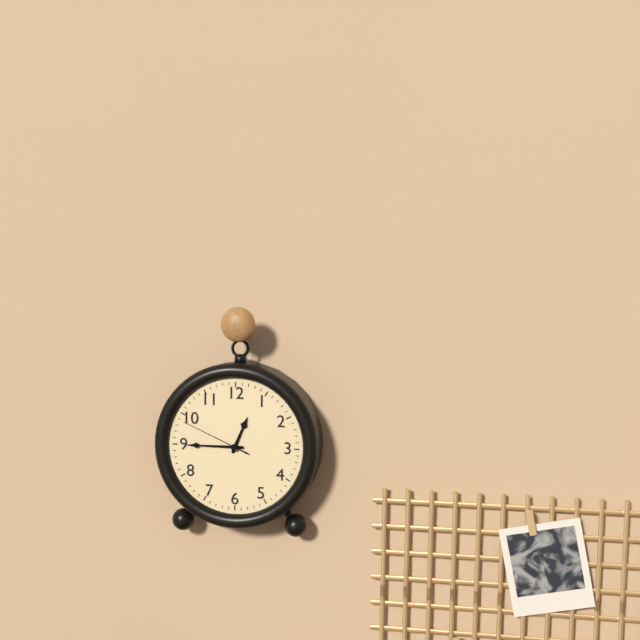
12,45,49
